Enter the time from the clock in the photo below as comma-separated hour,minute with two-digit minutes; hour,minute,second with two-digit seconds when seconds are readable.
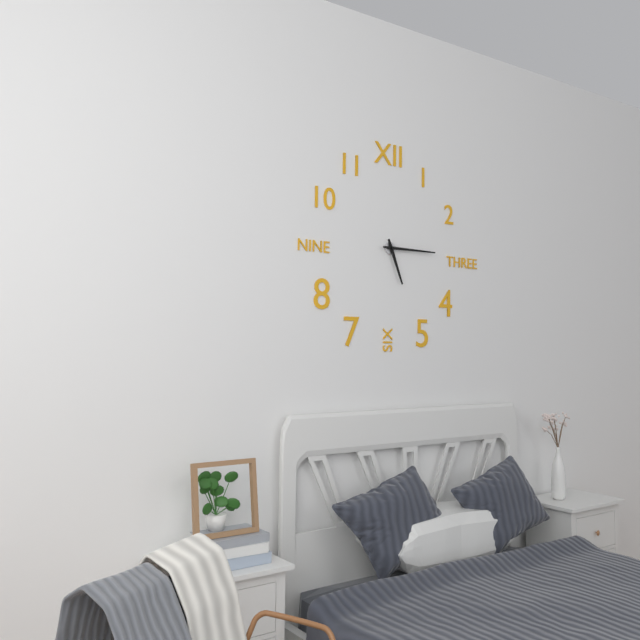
5,15
